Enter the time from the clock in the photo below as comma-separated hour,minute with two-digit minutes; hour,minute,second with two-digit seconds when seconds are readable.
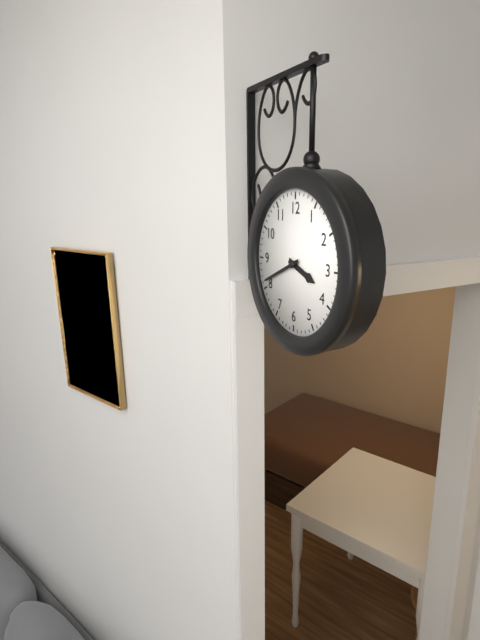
3,41
